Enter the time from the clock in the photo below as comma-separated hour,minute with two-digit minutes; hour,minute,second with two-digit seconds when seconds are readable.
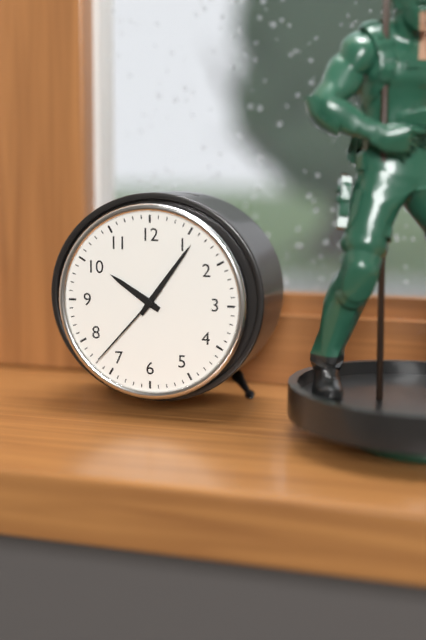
10,06,37
